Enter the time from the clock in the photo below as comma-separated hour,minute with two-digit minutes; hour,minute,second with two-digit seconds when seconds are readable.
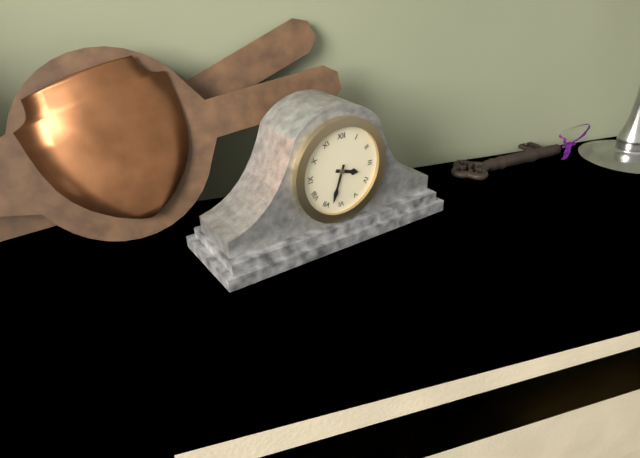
3,33
